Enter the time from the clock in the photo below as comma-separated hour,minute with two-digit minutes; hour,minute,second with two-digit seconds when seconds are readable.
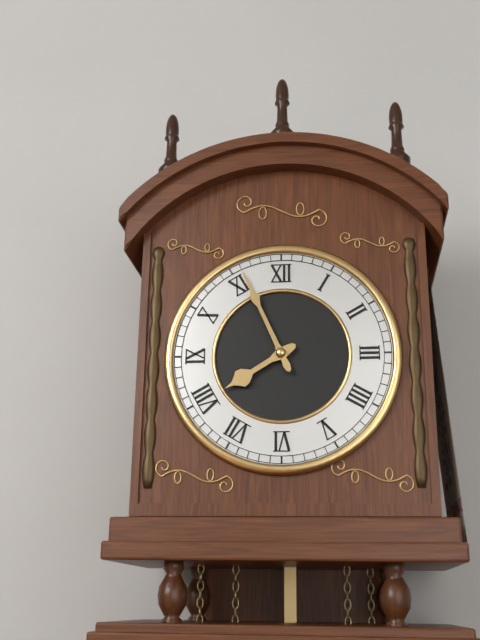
7,56
